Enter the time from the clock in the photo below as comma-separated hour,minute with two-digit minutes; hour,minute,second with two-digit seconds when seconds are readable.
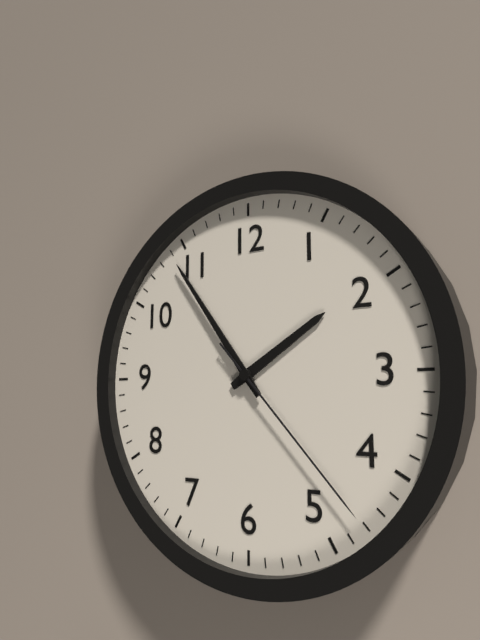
1,54,23
